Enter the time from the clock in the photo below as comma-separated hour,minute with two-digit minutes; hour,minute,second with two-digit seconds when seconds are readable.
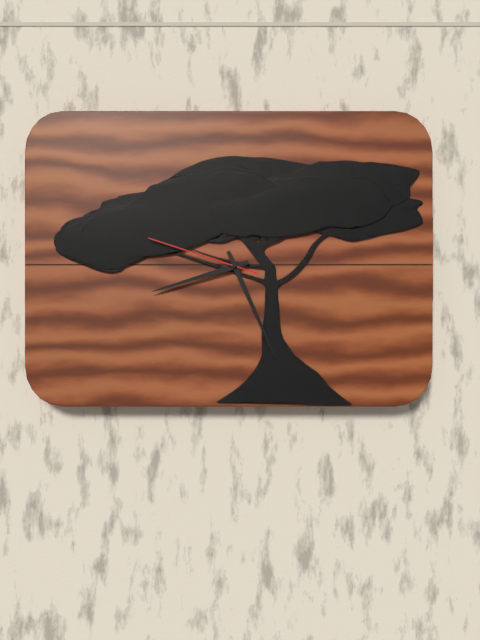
8,26,48
